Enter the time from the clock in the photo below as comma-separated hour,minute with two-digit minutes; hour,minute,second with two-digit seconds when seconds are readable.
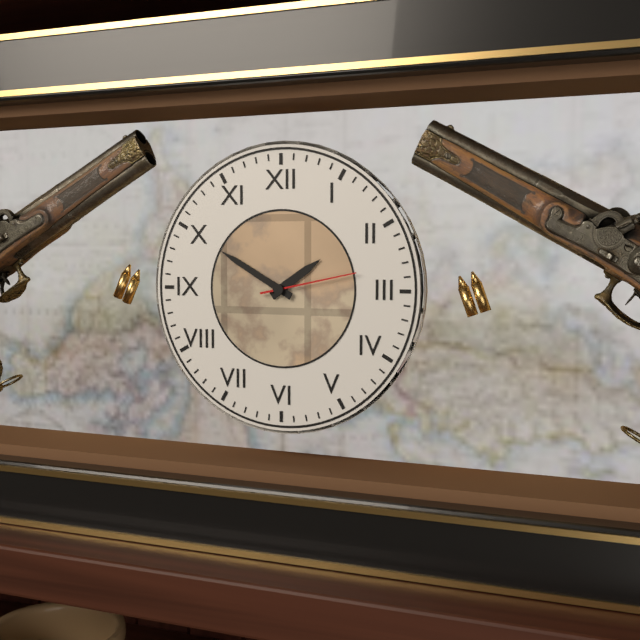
1,50,13
